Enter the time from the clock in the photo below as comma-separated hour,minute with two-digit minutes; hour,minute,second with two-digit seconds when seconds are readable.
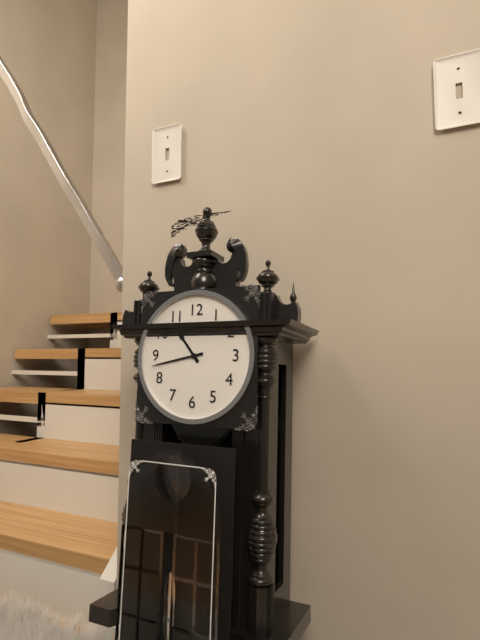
10,43
